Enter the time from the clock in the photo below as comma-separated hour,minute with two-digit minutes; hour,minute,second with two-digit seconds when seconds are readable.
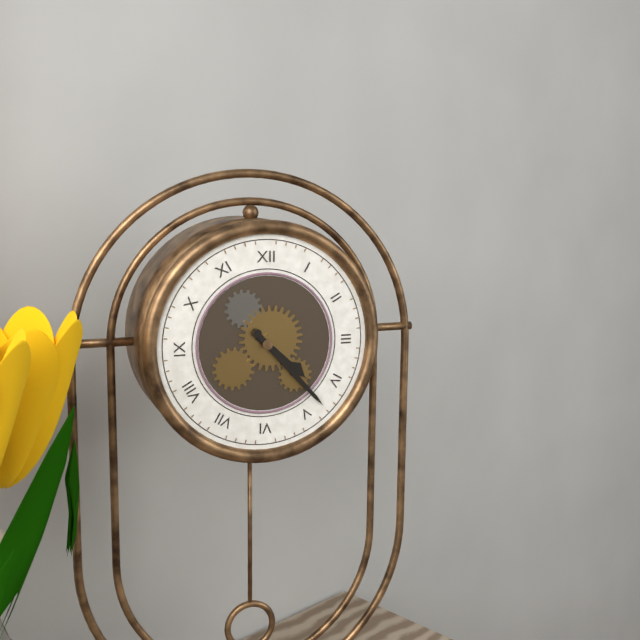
4,23
